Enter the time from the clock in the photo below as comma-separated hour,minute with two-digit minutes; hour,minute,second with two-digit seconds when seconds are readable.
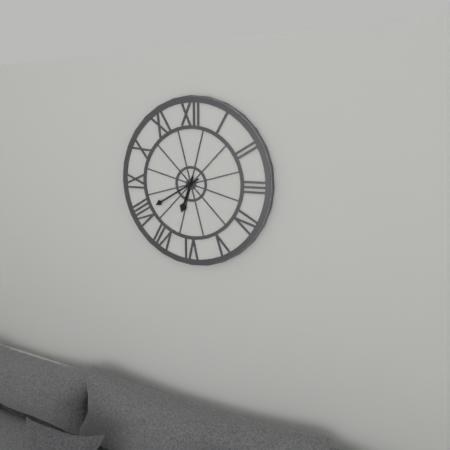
6,40
